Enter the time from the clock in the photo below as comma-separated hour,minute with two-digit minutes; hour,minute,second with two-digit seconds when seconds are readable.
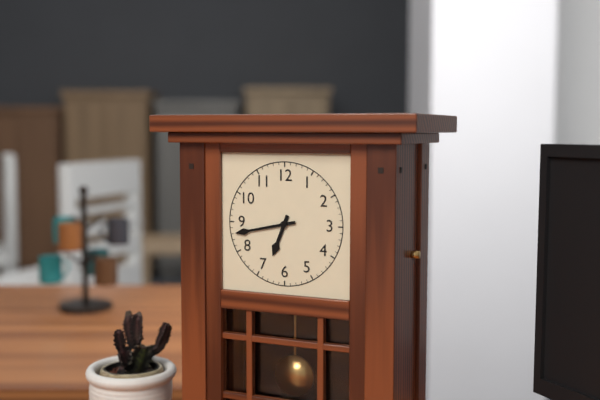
6,43
